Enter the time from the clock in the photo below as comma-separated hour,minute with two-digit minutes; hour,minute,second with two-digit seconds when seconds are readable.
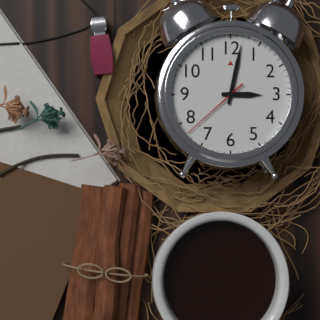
3,02,38
